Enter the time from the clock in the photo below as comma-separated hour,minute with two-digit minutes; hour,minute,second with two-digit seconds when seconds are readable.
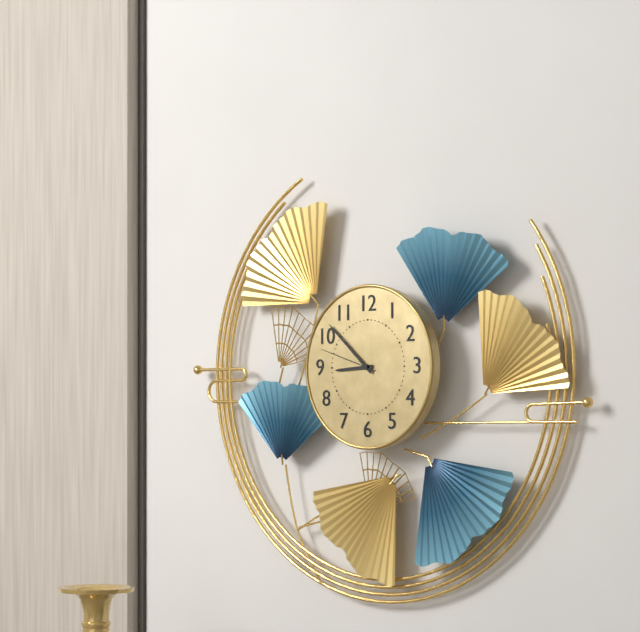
8,52,48
